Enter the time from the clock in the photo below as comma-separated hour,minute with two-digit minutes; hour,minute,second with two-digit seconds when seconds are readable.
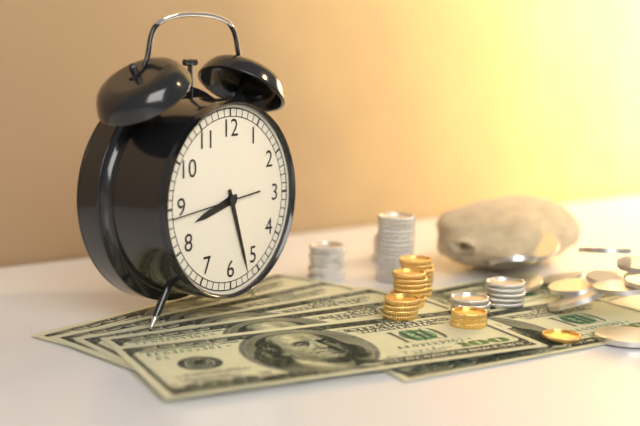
8,27,44
